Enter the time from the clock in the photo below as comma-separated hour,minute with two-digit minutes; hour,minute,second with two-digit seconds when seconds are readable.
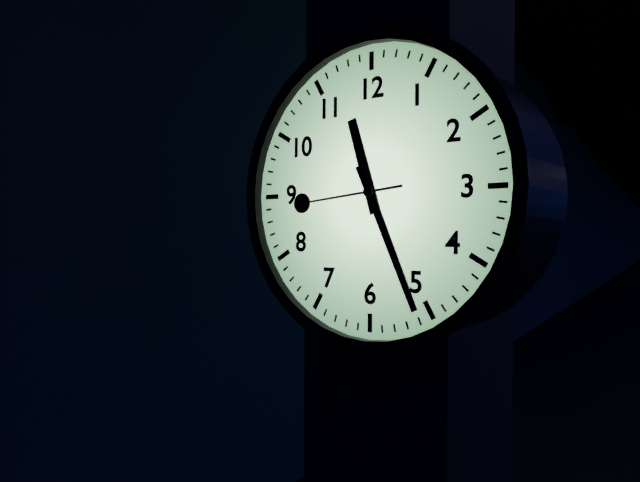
11,26,44
